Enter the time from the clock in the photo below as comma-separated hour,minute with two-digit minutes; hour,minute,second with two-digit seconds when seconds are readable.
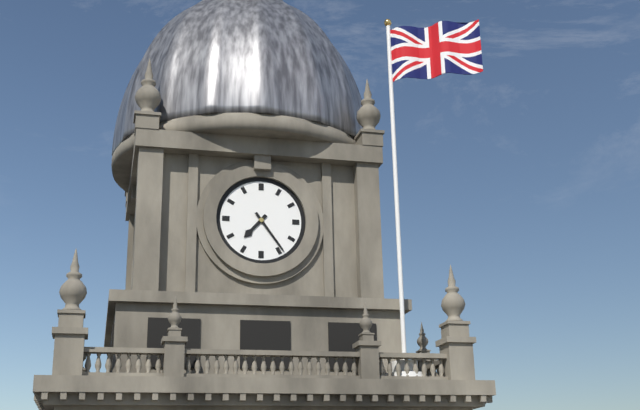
7,24
